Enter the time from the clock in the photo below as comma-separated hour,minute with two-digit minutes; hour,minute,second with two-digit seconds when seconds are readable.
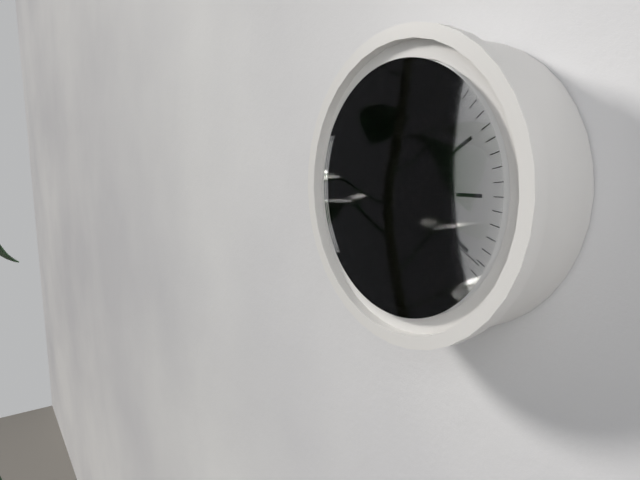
12,25,20
